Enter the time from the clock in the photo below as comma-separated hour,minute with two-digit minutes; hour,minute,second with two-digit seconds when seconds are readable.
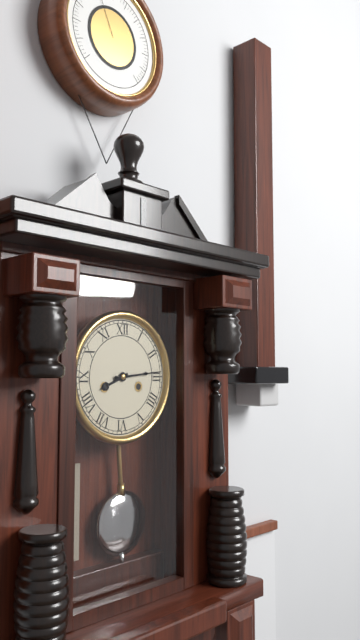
8,14
